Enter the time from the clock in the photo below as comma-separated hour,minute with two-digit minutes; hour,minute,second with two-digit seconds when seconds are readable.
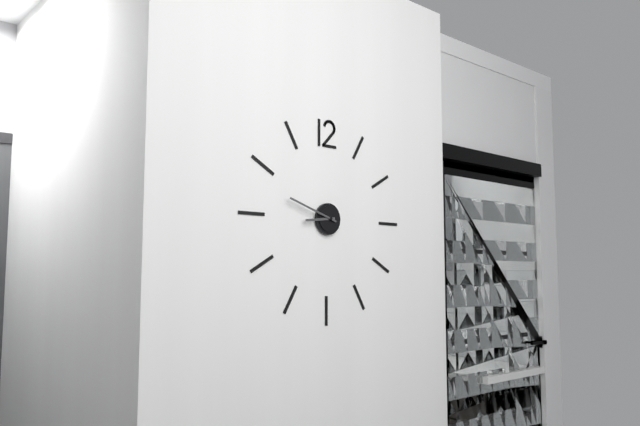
8,48
